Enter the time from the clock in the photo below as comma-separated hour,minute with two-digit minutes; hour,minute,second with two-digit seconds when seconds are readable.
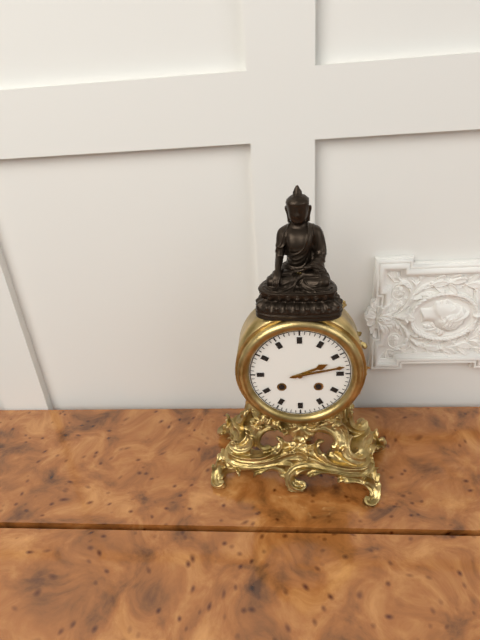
2,13
